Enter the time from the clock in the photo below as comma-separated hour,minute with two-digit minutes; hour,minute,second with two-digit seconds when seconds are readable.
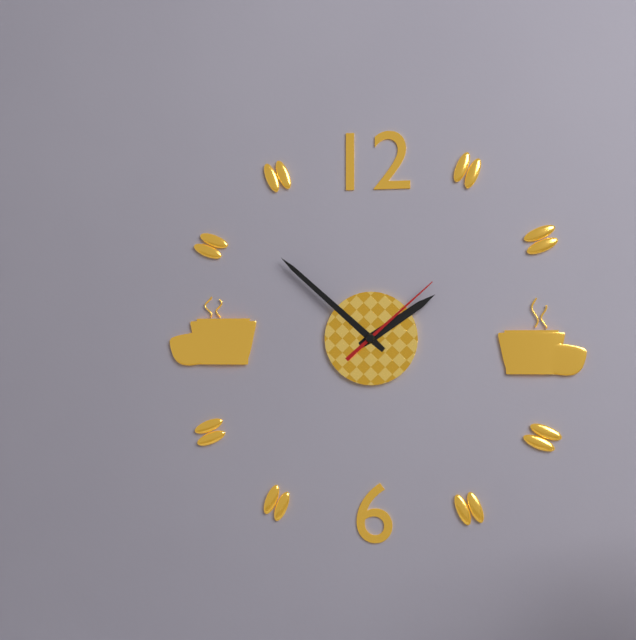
1,52,08
